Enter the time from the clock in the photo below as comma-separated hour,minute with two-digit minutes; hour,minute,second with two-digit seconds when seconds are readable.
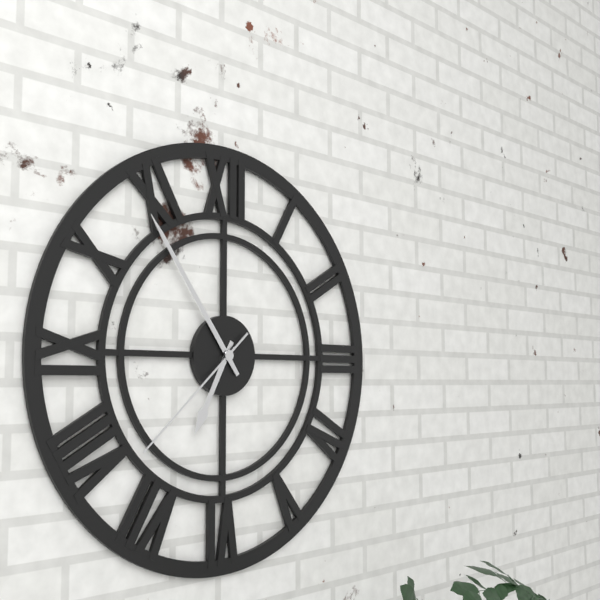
6,54,38
